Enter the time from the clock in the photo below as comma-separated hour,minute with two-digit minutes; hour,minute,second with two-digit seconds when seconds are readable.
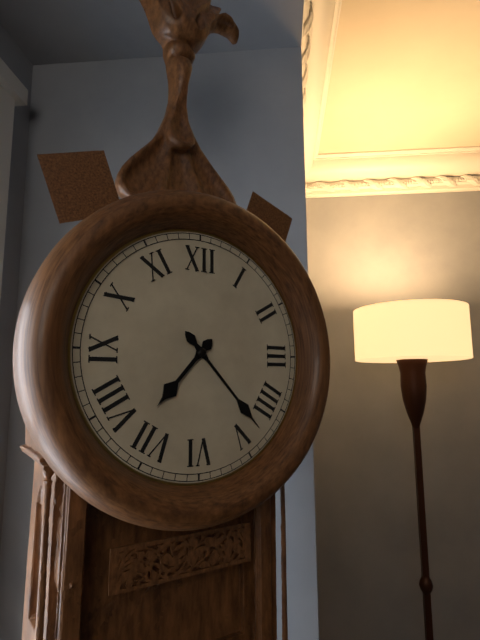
7,23
